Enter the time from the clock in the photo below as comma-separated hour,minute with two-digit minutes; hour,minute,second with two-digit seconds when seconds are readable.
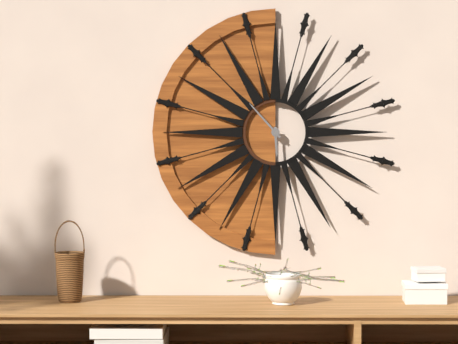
5,53
